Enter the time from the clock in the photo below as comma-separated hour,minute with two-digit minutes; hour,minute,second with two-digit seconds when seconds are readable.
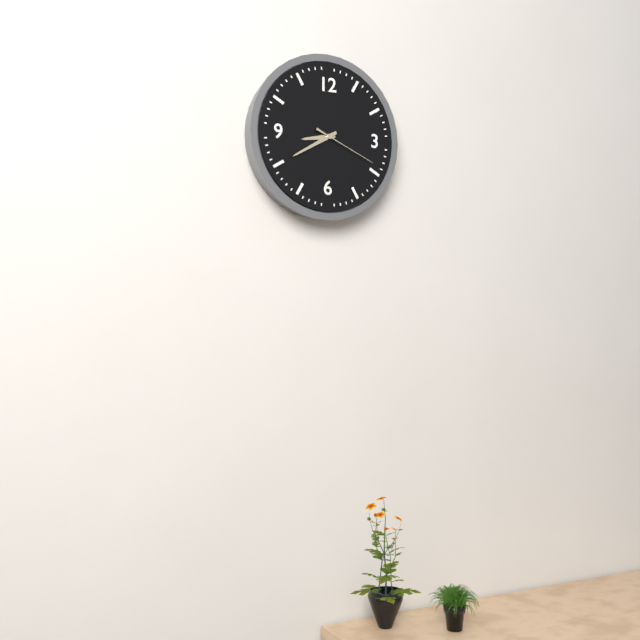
8,40,19
